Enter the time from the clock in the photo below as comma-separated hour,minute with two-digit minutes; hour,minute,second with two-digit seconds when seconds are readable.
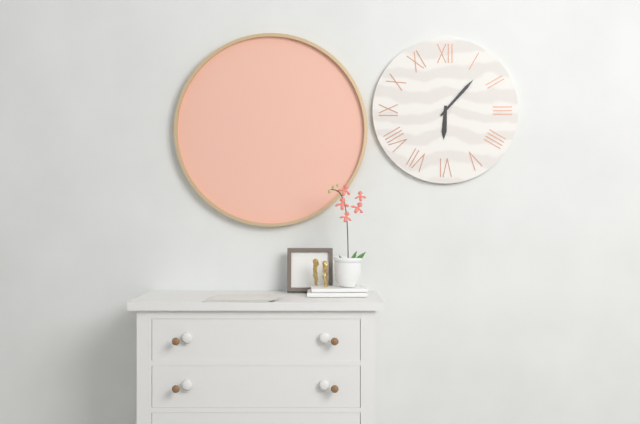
6,07
